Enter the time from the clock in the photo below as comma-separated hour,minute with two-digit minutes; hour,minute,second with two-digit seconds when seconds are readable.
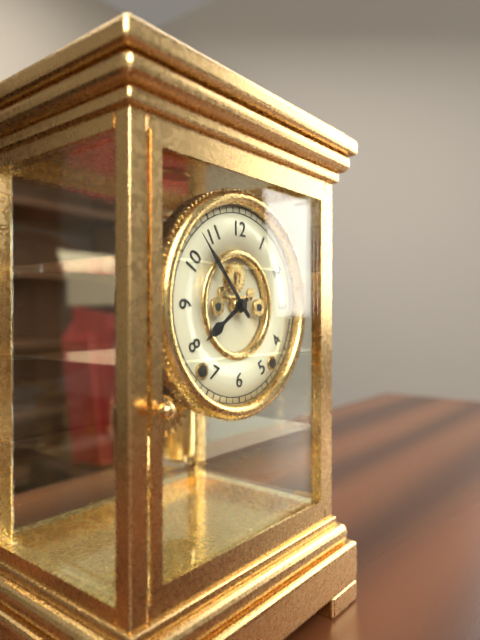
7,53
